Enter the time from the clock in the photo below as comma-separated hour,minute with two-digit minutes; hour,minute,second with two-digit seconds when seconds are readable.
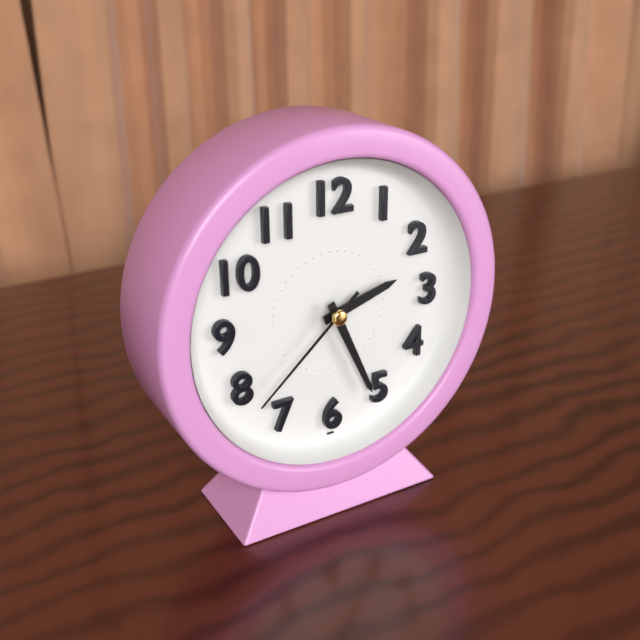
2,26,38
